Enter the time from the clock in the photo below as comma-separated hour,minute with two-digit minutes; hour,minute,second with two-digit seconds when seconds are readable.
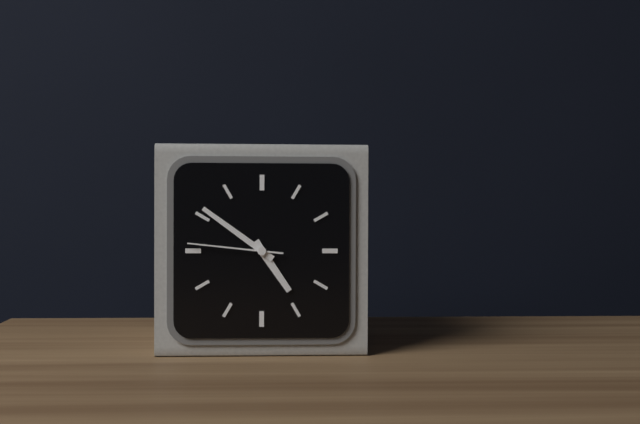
4,51,46
